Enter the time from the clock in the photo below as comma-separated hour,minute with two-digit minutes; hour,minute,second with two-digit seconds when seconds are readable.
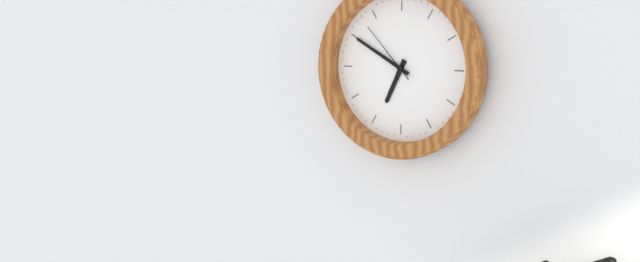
6,50,53
